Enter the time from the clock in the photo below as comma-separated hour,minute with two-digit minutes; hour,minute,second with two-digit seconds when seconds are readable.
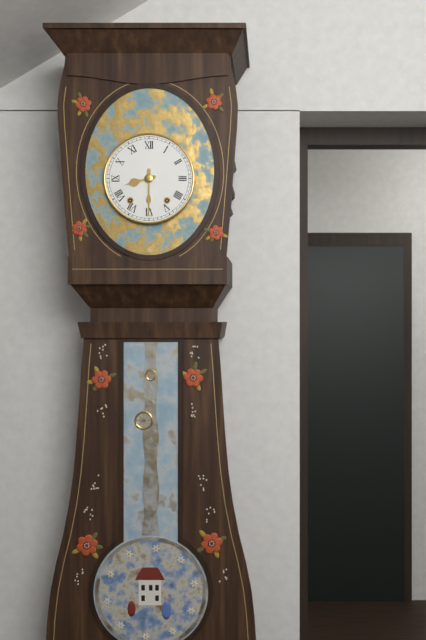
8,30
